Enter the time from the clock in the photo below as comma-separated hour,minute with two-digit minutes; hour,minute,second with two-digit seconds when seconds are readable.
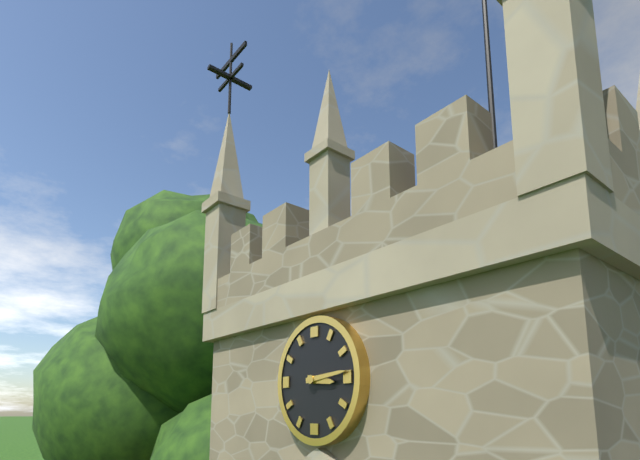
3,14
